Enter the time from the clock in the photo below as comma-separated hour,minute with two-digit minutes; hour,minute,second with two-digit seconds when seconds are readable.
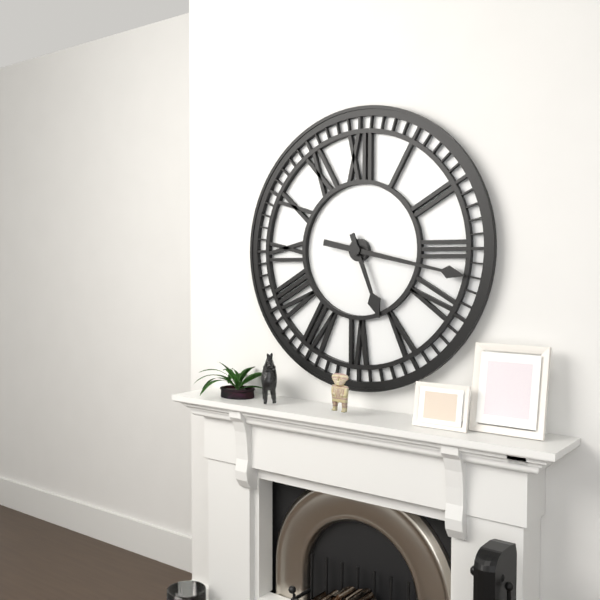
5,17
